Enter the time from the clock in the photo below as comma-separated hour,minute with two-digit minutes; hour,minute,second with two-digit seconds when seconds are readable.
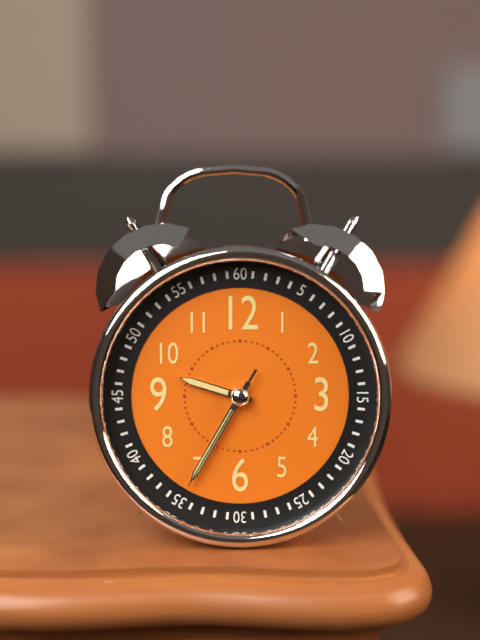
9,35,35
